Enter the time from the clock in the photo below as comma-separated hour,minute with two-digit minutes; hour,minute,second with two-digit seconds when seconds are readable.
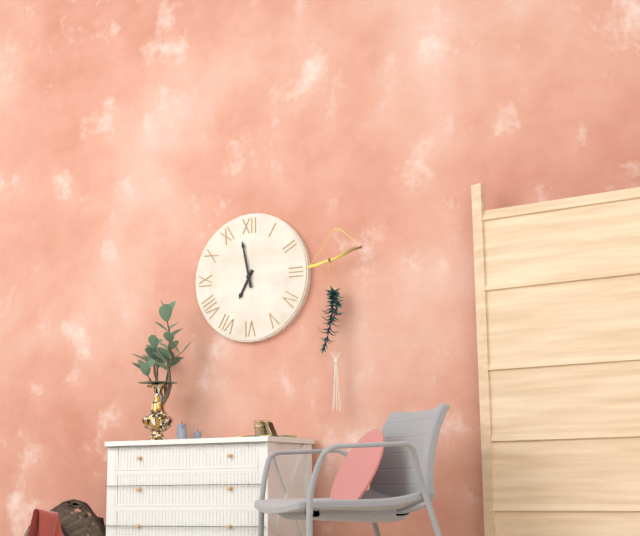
6,58
